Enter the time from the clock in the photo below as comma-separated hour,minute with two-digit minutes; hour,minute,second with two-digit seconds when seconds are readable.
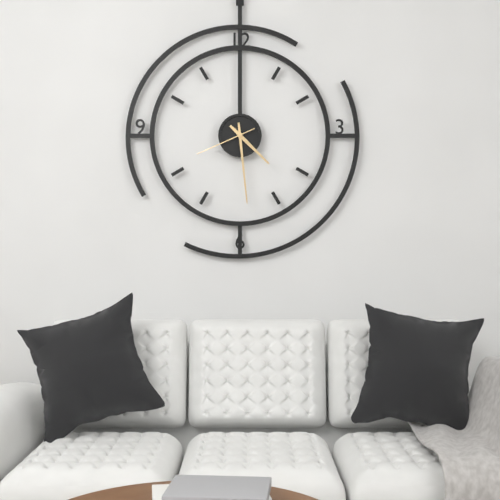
4,29,41
